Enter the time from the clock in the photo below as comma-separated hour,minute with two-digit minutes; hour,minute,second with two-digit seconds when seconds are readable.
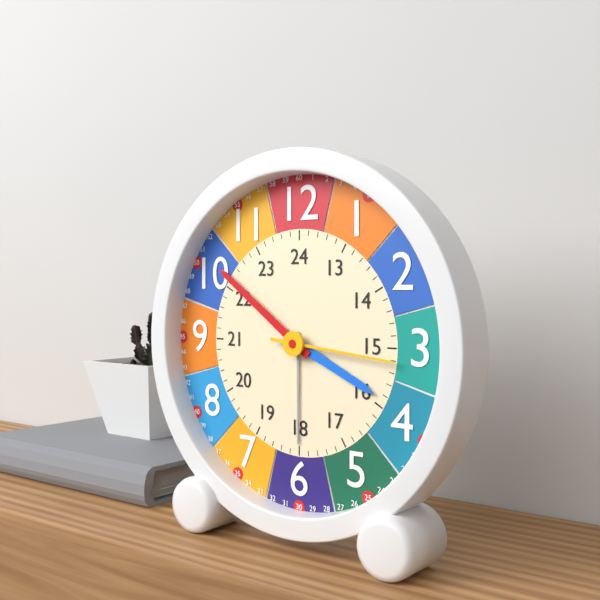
3,51,16
